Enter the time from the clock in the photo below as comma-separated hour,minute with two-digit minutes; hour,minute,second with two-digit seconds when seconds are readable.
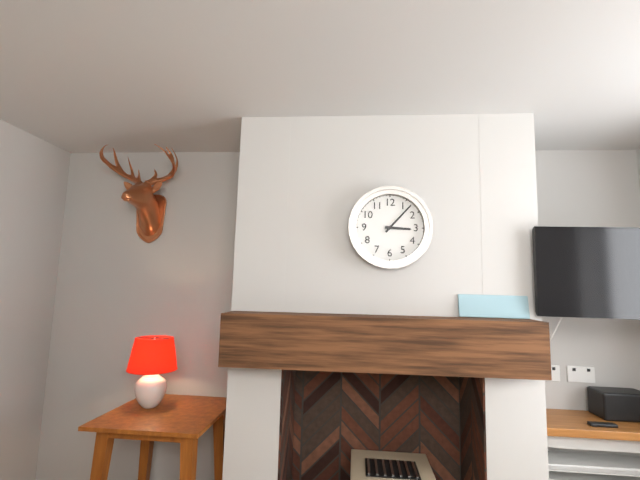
3,07
